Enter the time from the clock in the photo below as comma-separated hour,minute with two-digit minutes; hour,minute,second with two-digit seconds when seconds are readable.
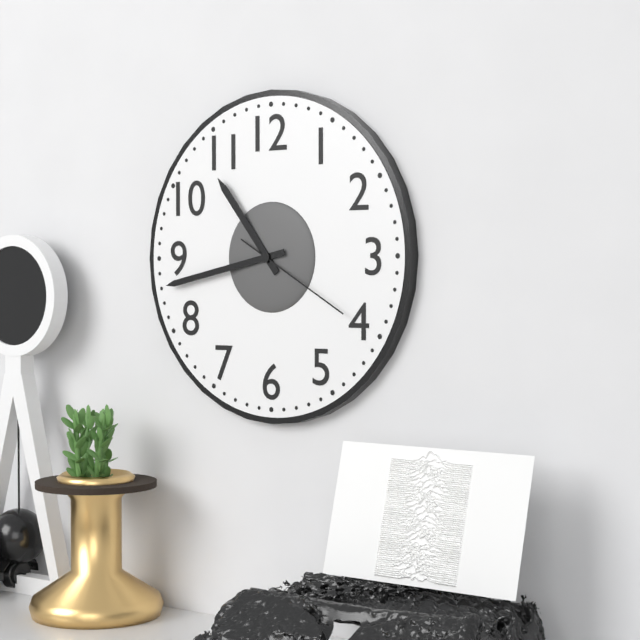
10,43,20
